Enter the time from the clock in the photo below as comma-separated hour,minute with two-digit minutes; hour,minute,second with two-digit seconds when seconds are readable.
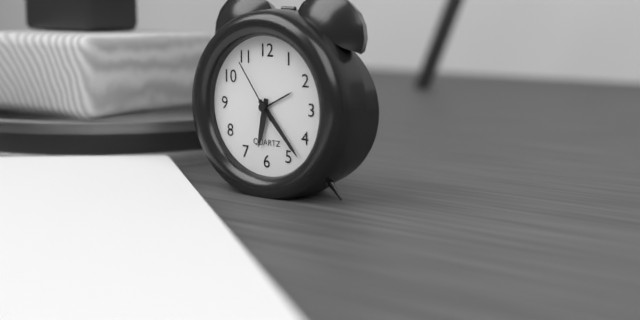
6,23,54
